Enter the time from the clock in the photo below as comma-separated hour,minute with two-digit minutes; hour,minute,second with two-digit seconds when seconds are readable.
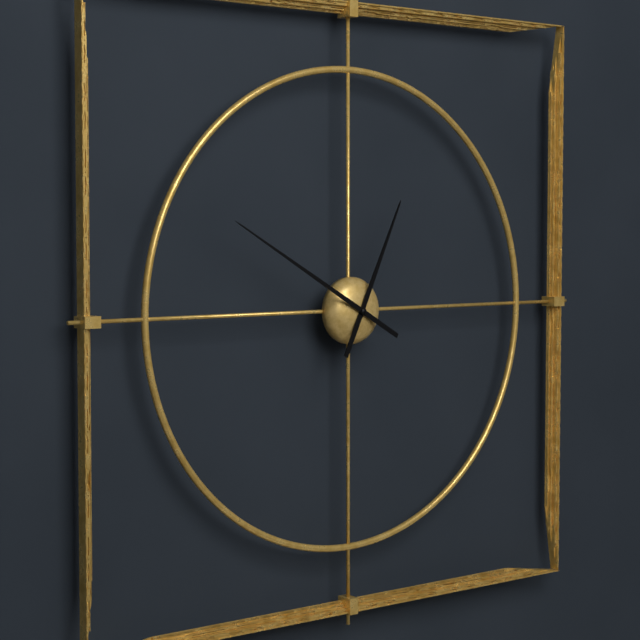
12,50
